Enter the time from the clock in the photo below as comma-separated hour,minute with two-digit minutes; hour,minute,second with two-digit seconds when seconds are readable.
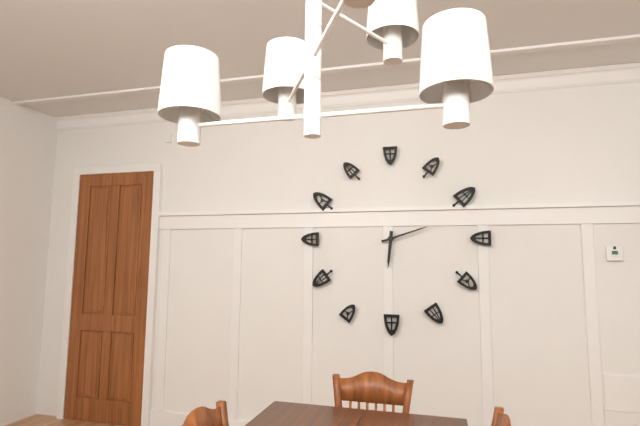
6,12
